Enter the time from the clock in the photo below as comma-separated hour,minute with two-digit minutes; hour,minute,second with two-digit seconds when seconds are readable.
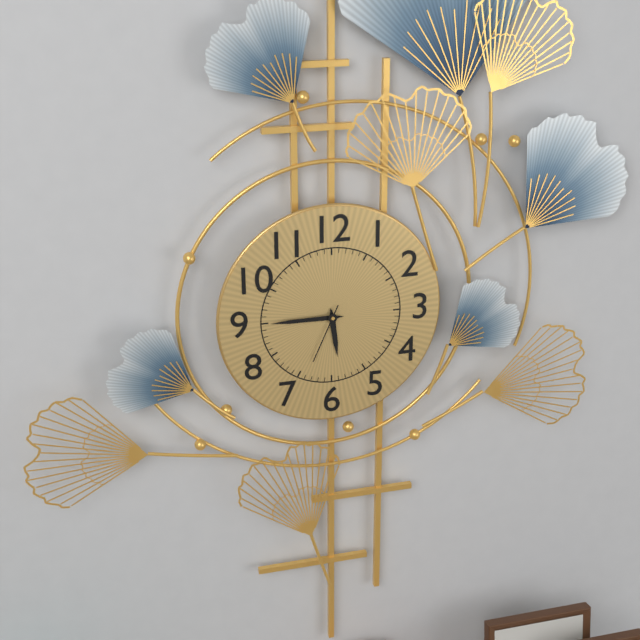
5,45,34
